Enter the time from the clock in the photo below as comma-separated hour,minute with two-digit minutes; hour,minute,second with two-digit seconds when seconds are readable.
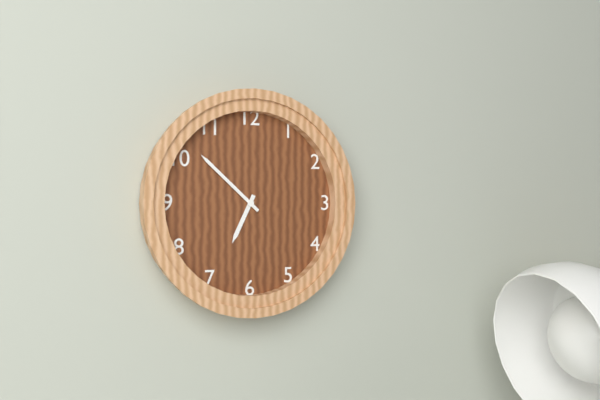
6,52
